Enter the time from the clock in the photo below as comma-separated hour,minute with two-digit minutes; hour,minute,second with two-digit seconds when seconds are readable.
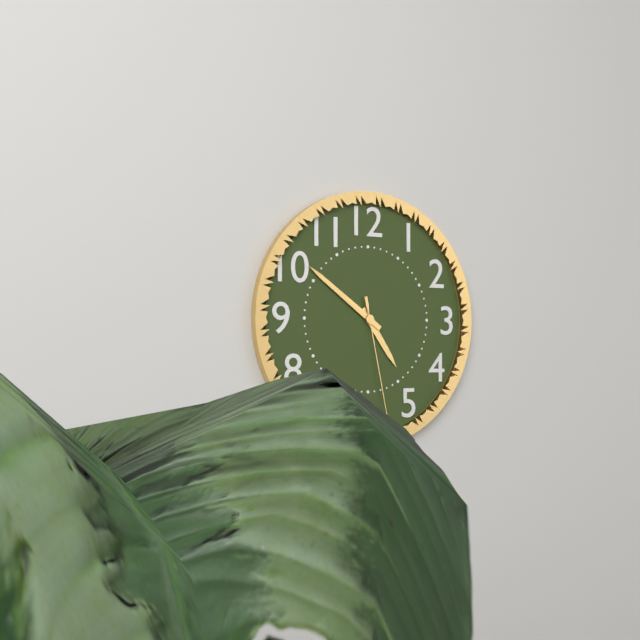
4,51,28
